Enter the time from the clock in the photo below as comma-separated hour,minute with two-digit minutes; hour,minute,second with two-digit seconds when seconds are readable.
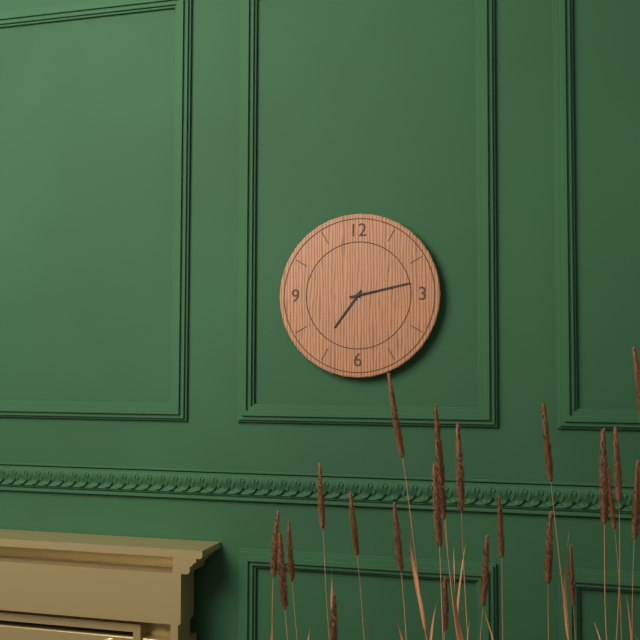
7,13
